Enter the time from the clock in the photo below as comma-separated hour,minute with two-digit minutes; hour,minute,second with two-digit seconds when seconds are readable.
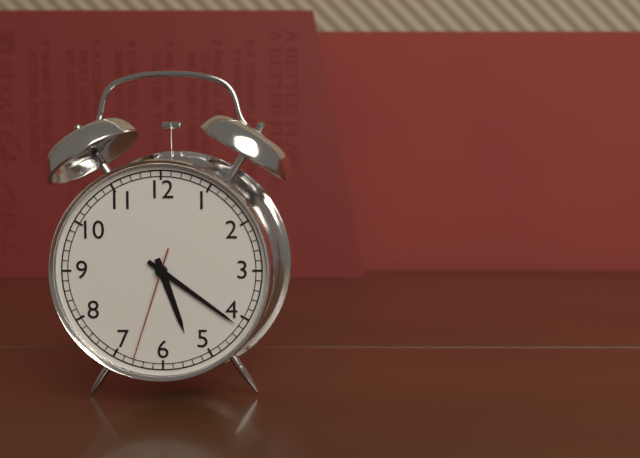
5,21,33
